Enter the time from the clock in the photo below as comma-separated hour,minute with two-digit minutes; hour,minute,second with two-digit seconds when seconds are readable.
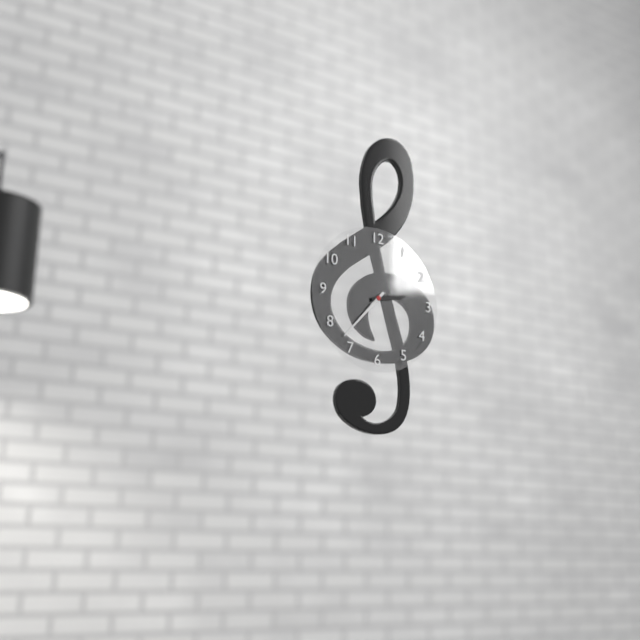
2,37
